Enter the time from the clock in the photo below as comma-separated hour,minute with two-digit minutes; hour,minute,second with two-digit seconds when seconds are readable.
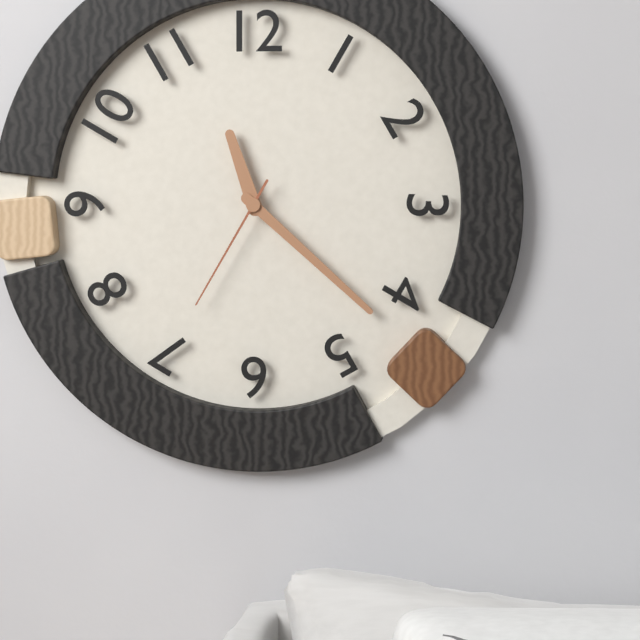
11,22,35
